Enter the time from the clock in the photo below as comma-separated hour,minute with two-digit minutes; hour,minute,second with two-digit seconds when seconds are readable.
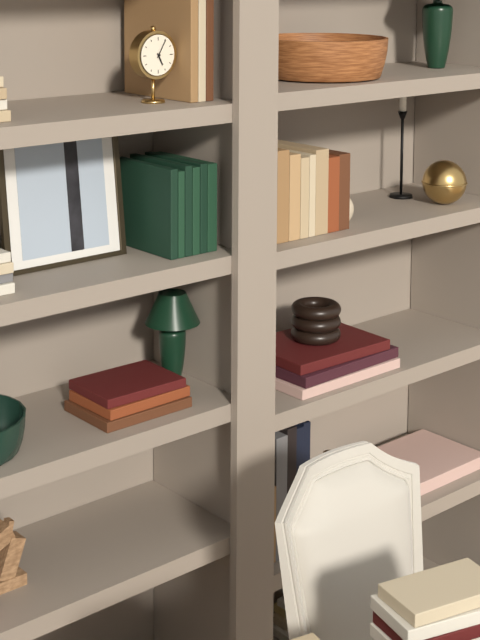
5,05
